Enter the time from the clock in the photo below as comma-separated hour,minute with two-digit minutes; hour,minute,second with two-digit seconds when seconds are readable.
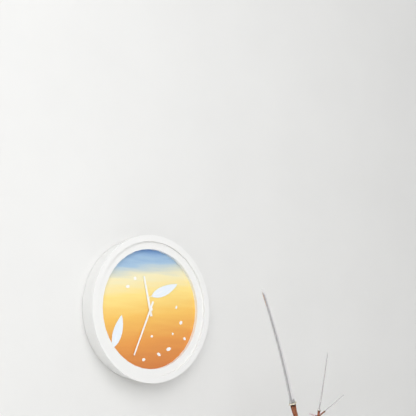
11,34
